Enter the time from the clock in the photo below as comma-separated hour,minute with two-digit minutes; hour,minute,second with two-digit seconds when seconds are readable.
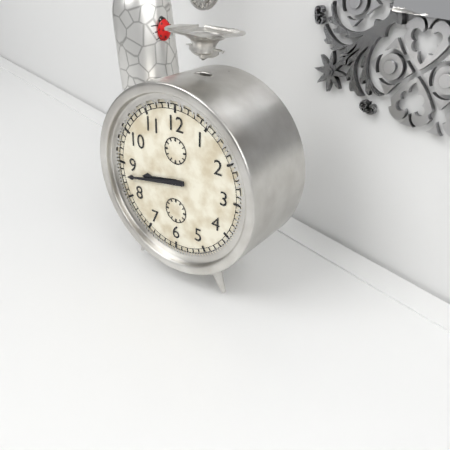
8,43
